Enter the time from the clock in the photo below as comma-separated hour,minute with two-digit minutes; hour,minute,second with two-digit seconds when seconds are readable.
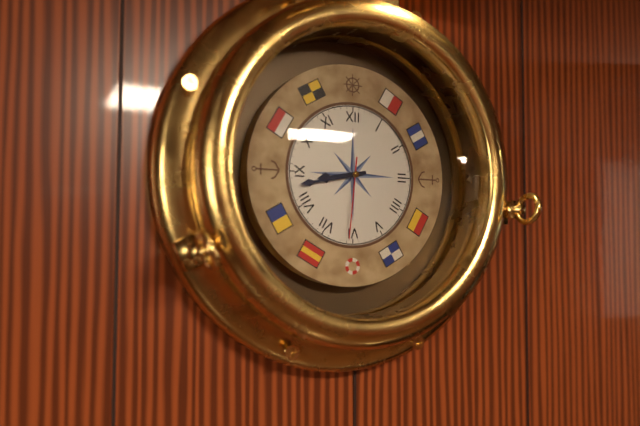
8,43,31
